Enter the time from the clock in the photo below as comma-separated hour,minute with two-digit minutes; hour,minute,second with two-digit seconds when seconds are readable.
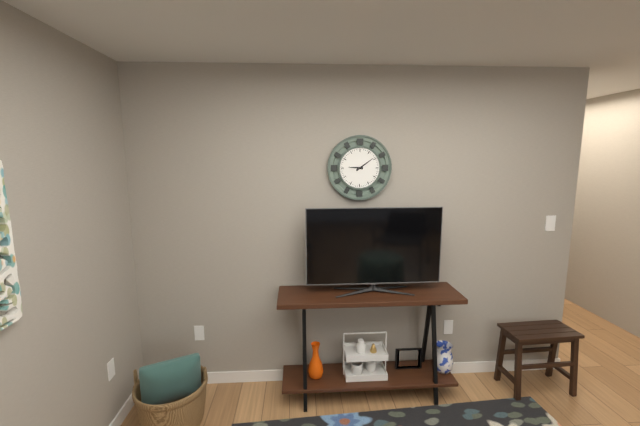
9,09
